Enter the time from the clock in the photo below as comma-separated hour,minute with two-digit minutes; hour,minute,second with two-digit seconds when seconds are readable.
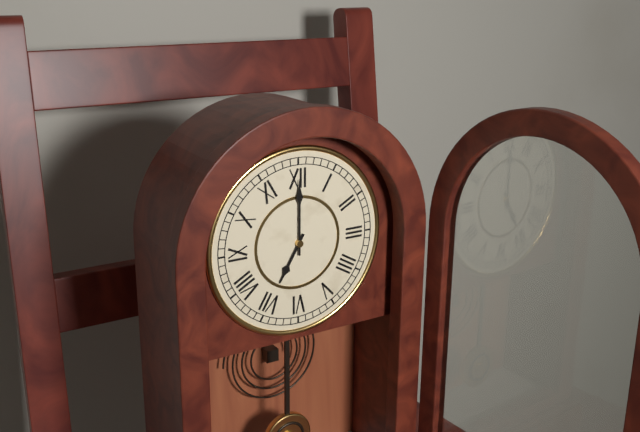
7,00
